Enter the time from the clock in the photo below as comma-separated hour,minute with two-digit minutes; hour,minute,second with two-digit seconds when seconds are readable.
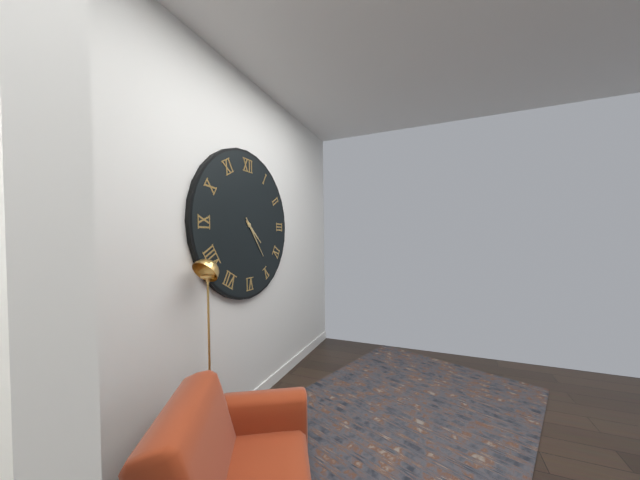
4,24
